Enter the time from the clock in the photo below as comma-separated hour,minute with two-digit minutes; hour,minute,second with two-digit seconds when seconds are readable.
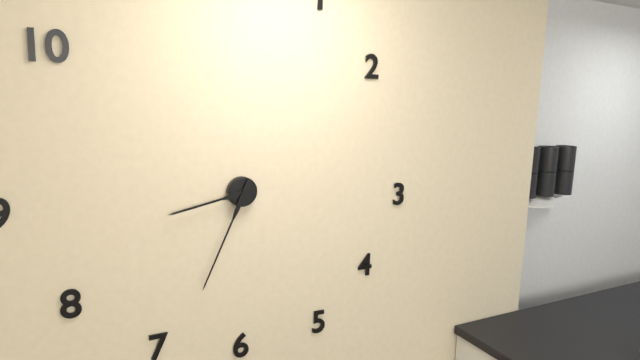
8,34
